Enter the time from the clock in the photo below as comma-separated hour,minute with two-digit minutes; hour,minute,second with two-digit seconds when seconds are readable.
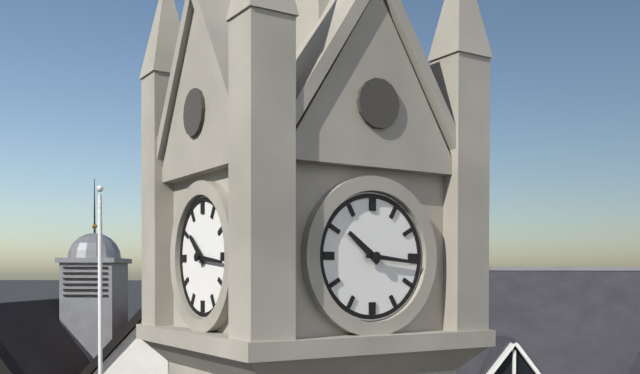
10,16
